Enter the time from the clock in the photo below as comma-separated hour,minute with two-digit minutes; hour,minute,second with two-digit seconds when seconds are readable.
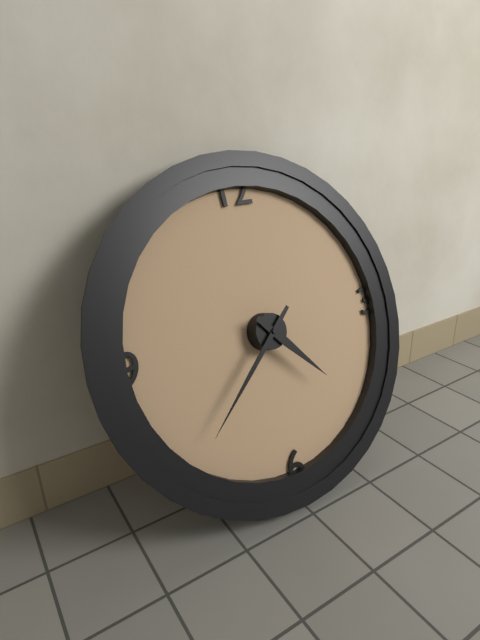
4,38
